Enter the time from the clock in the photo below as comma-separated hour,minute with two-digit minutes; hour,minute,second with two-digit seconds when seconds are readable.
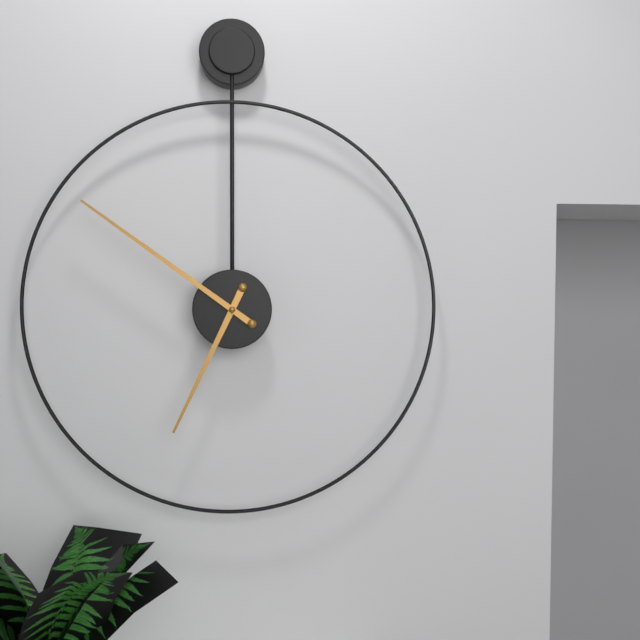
6,51
